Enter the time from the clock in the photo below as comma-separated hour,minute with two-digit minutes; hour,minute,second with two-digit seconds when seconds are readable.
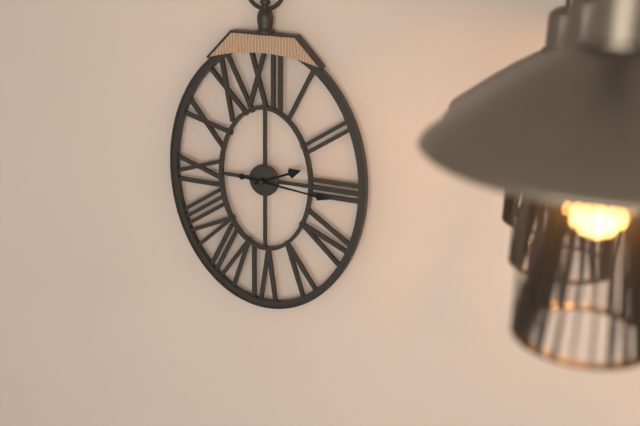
2,16
